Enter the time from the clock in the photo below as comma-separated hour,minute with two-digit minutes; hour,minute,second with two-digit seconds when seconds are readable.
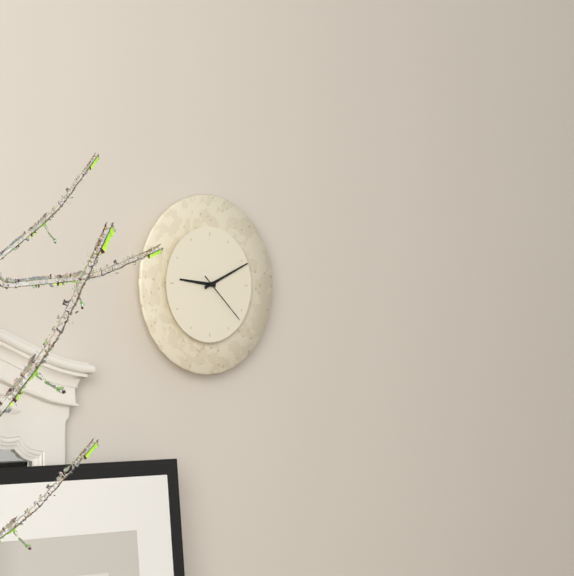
9,11,22
